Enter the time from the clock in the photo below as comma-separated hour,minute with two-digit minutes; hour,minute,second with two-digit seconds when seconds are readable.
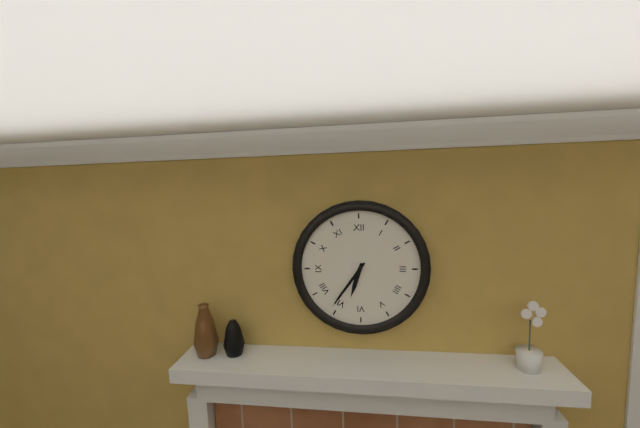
6,36
